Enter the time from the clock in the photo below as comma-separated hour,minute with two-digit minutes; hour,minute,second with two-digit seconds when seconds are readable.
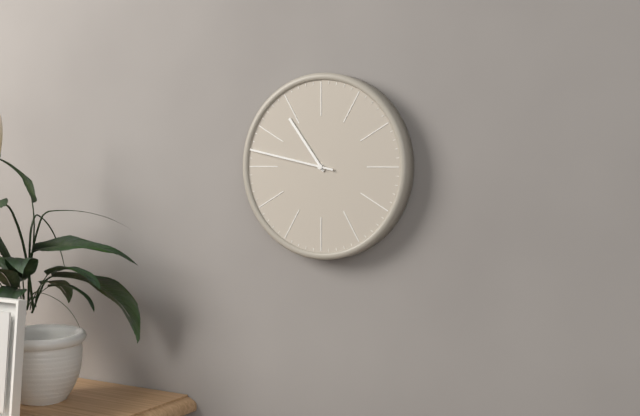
10,47
